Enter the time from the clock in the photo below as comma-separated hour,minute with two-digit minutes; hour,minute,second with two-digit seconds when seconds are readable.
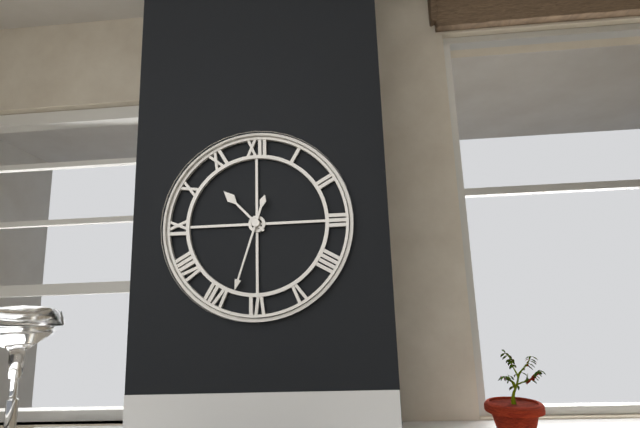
10,33
